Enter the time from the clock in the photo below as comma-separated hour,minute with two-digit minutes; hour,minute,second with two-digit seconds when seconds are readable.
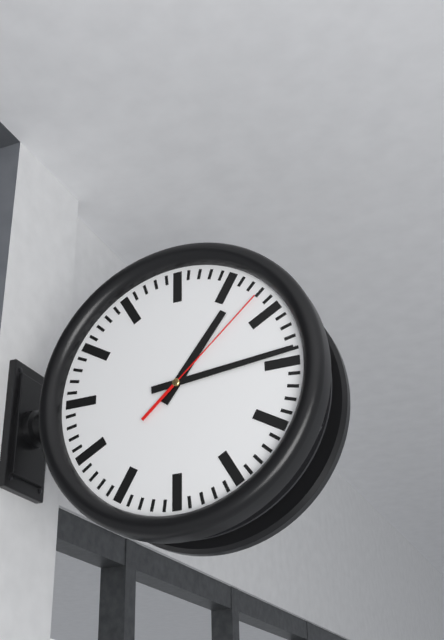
1,14,08
